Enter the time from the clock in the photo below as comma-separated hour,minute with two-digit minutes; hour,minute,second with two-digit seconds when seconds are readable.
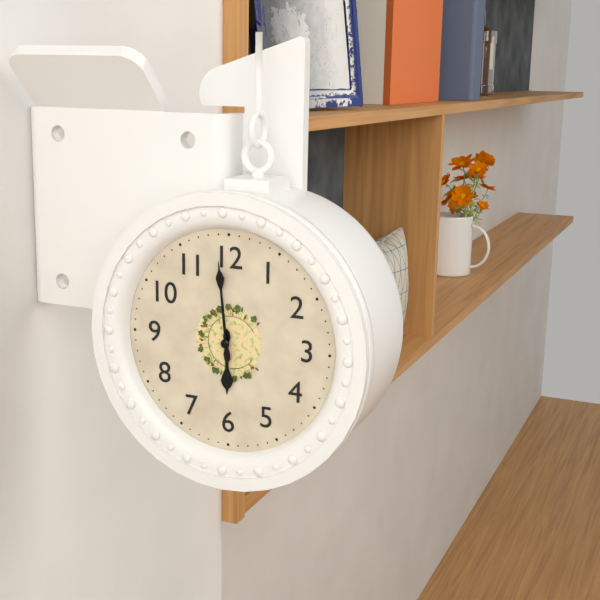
5,59
